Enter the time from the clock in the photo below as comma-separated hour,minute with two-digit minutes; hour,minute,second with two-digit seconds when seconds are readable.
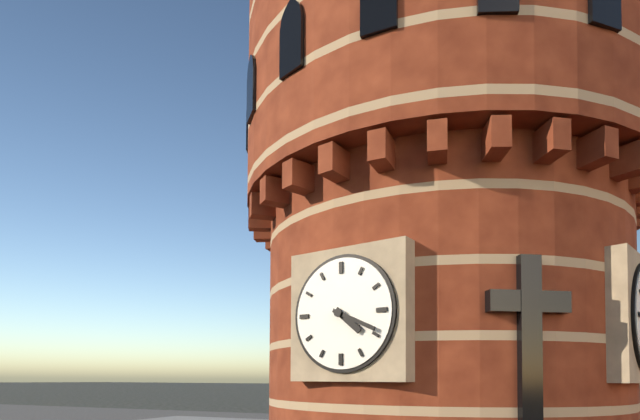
4,19
